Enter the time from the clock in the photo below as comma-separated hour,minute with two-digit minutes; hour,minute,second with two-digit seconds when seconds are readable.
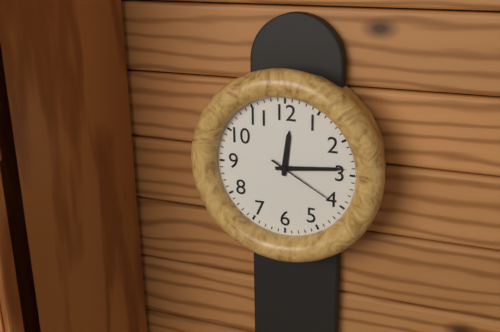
12,14,20
